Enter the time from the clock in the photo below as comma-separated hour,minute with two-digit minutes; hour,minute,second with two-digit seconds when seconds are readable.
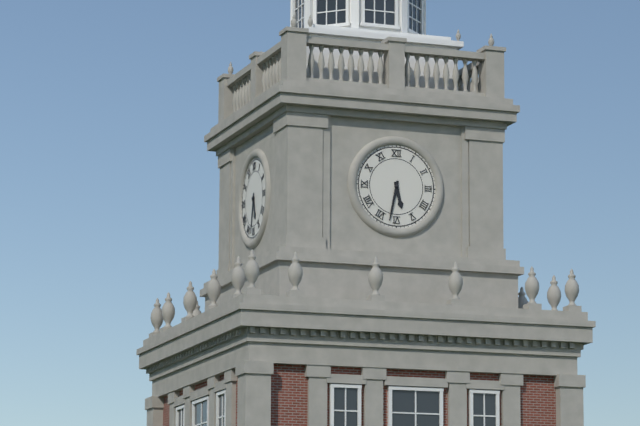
5,32
